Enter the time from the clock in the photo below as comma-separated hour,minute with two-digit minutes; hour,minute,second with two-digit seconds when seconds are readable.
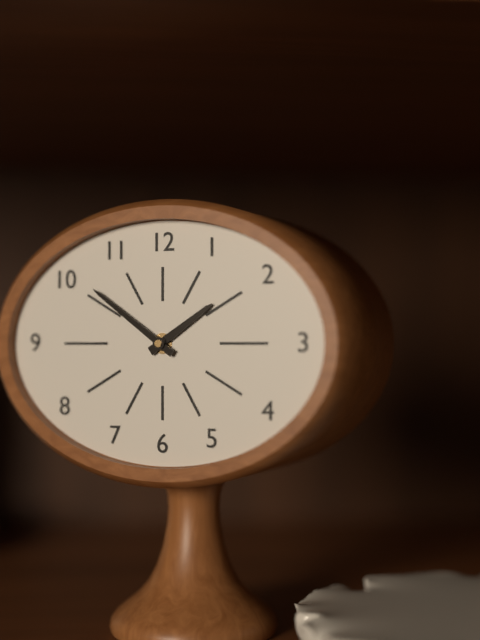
1,51
